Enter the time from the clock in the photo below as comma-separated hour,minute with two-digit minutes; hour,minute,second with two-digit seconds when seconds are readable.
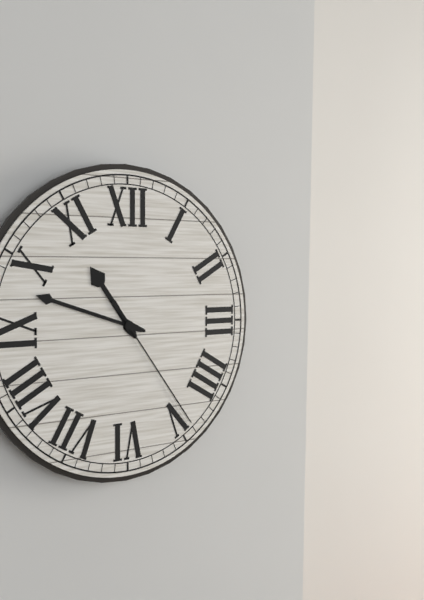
10,48,24
